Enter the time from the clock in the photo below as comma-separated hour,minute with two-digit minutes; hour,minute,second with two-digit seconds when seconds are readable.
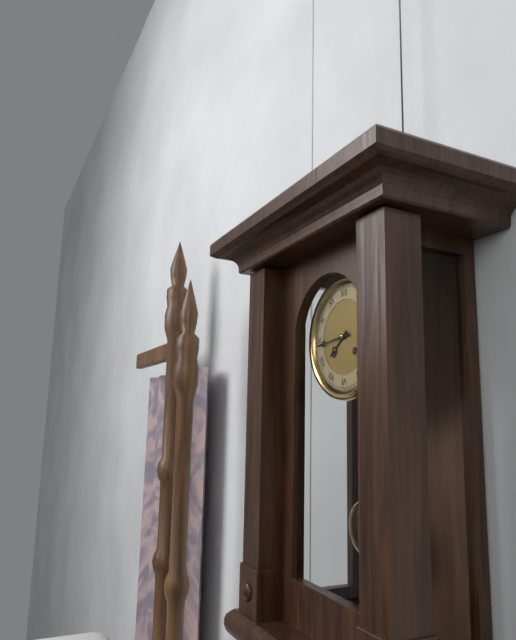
7,44
